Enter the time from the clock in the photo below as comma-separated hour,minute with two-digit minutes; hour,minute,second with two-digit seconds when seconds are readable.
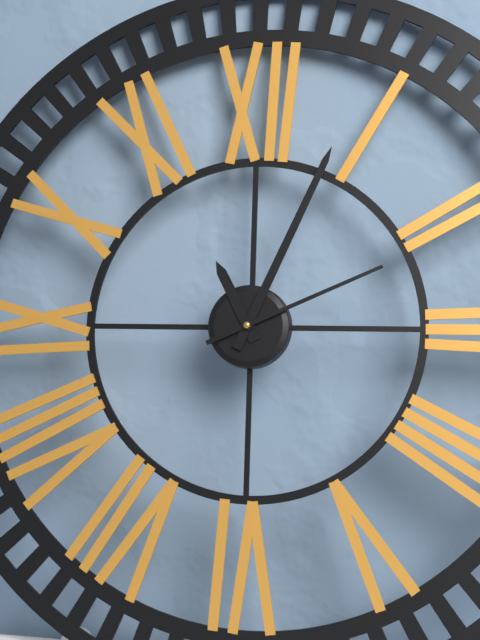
11,04,11
